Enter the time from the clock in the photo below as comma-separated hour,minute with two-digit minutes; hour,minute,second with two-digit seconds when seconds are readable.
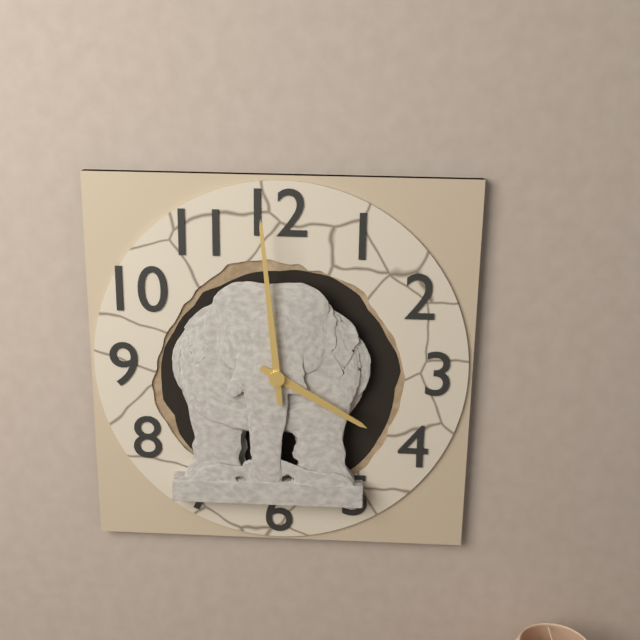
3,59
